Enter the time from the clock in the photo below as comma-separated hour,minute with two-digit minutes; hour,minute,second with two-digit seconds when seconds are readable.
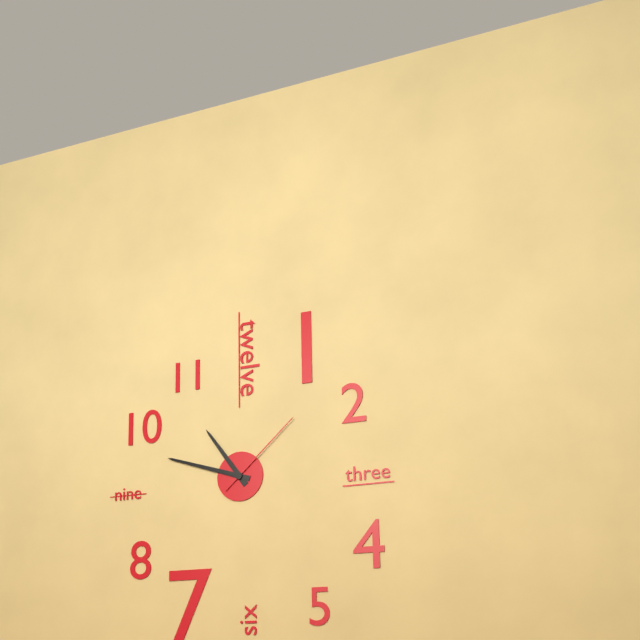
10,48,08
